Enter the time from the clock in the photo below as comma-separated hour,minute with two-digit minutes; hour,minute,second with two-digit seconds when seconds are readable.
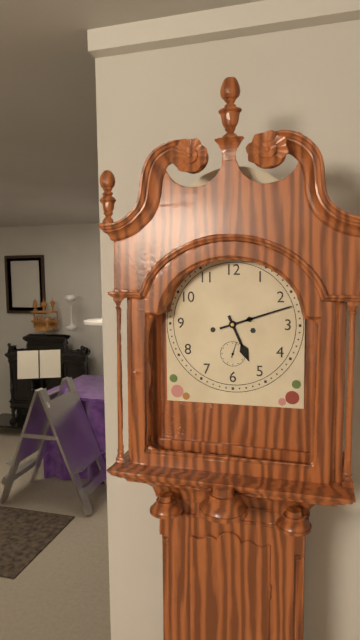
5,12
